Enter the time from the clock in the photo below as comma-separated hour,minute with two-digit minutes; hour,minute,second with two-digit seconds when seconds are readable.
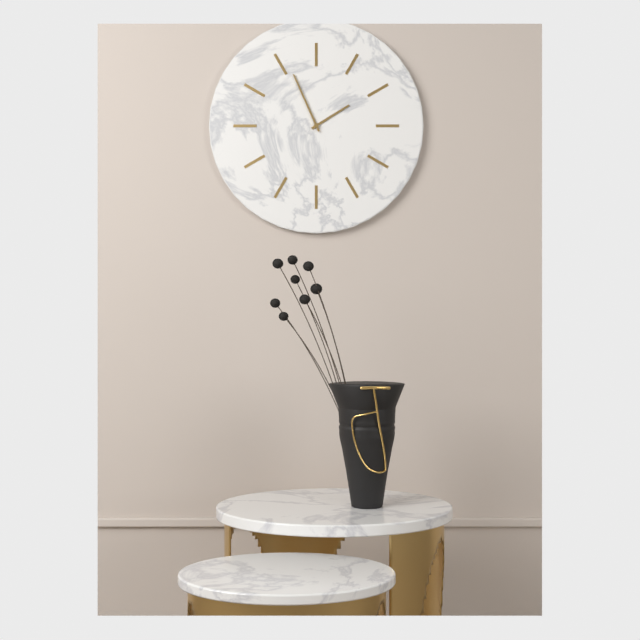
1,56
